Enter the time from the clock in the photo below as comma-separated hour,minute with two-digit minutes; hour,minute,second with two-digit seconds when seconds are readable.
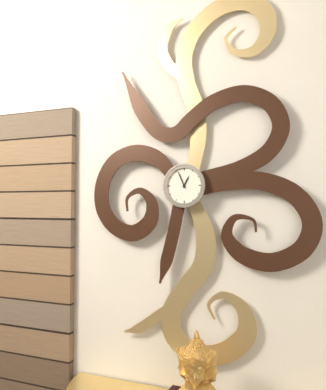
12,56
